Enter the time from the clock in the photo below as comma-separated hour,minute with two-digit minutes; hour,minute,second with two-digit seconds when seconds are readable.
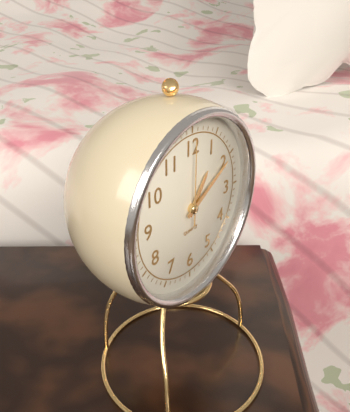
1,10,00
